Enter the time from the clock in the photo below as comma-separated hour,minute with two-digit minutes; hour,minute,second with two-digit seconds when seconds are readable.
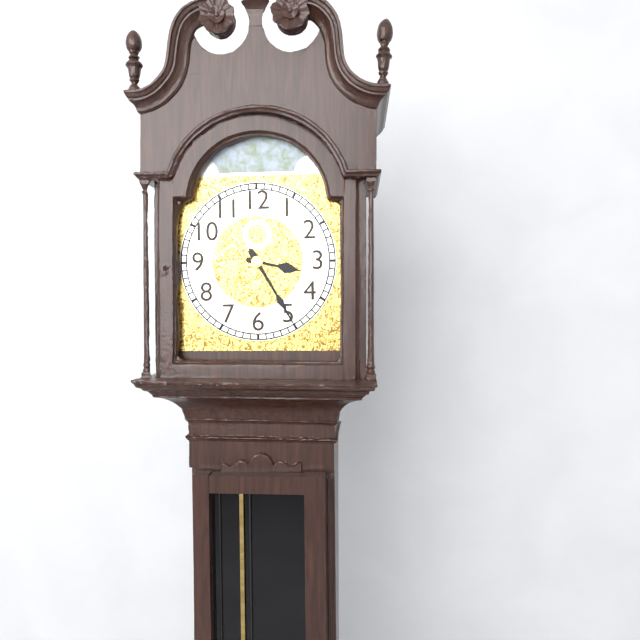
3,25
